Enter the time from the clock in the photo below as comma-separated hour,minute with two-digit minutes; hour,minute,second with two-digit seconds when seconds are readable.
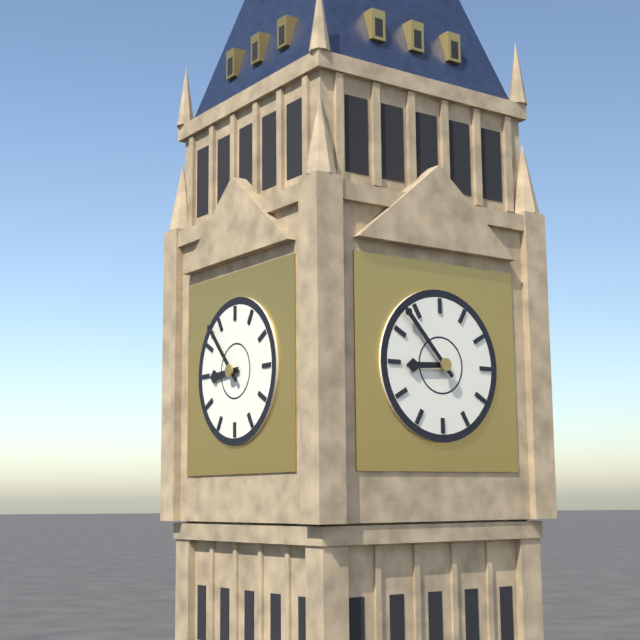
8,53
